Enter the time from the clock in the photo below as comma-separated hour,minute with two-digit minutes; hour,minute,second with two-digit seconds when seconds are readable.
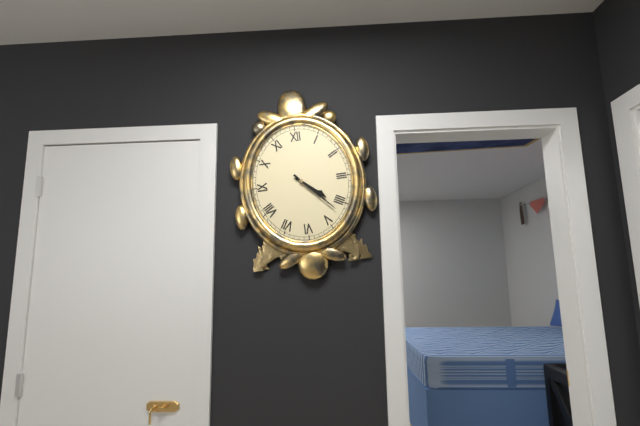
4,23
